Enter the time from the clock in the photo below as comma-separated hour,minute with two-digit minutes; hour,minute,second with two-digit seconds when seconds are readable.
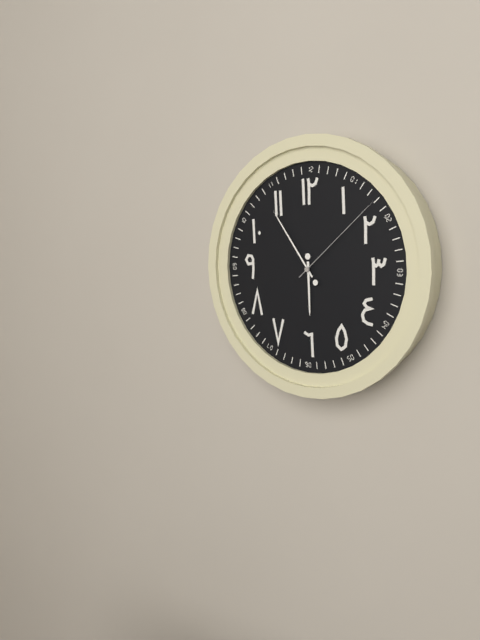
5,54,08
